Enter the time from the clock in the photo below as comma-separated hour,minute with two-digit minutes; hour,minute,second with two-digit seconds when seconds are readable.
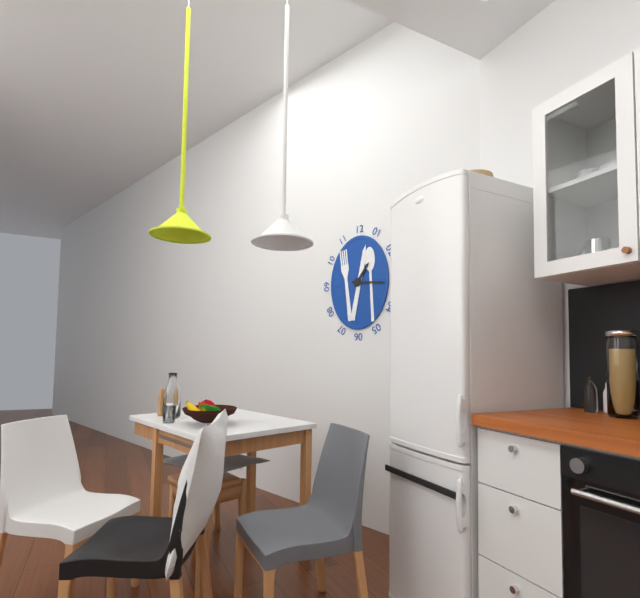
1,16
